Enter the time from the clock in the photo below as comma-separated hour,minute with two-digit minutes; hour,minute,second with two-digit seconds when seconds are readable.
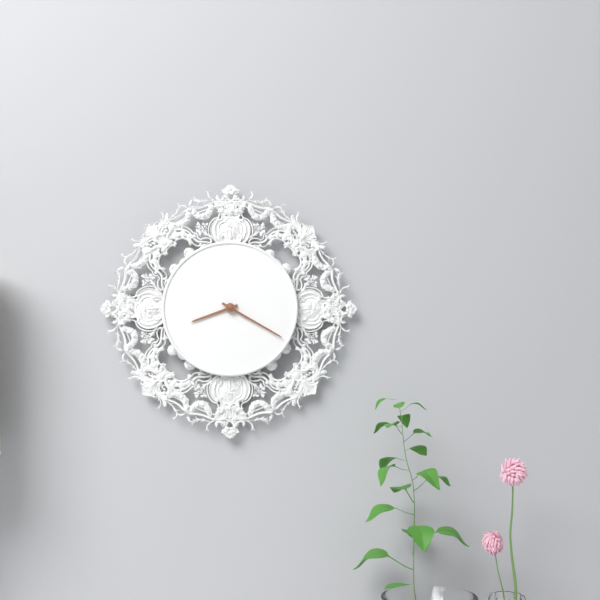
8,20
